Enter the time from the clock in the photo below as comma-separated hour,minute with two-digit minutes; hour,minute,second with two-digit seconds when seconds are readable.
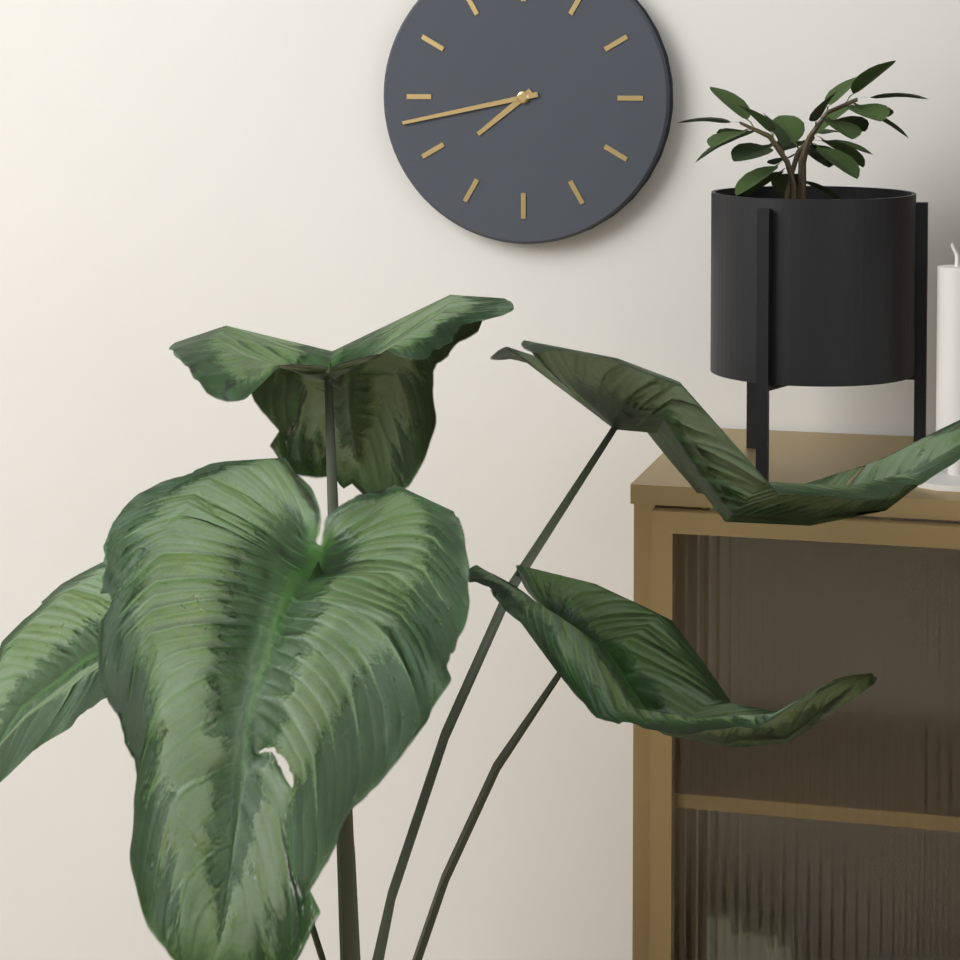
7,43
